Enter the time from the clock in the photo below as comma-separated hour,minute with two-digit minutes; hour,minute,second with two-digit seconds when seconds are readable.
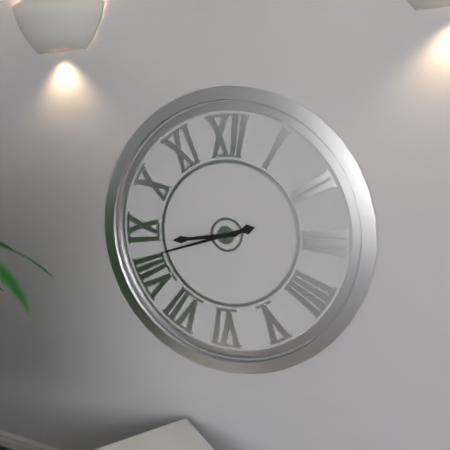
8,42
